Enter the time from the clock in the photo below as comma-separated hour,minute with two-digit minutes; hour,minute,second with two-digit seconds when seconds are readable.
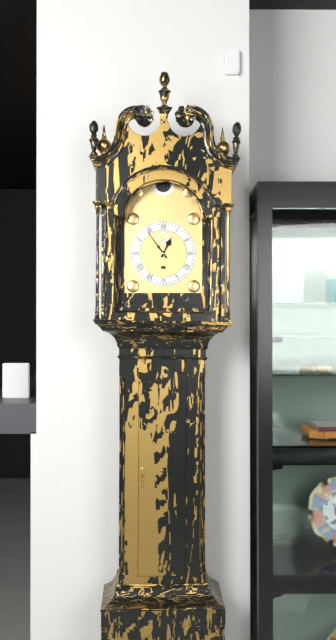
12,54
